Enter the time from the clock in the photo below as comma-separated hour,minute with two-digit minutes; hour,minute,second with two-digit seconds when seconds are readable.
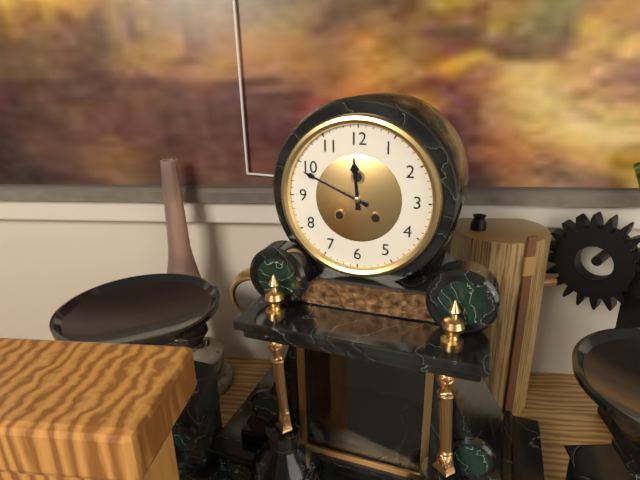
11,49
